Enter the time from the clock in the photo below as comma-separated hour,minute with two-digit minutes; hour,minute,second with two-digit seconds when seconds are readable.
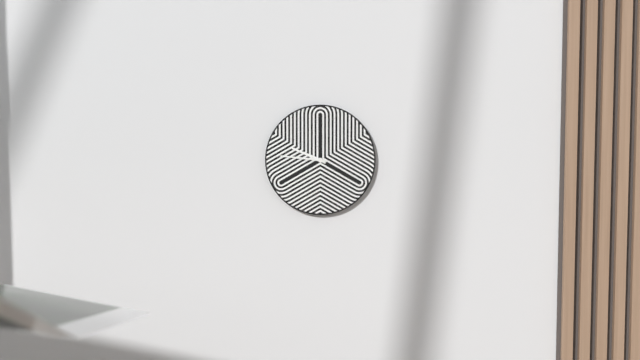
9,46
